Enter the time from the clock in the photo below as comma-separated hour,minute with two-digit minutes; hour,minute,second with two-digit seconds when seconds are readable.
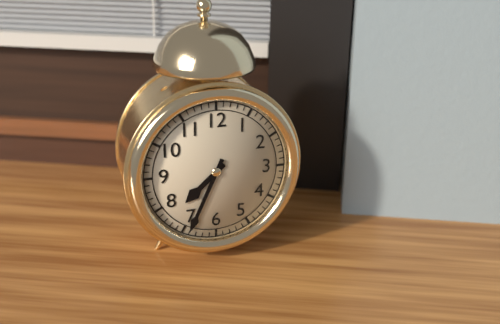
7,34
